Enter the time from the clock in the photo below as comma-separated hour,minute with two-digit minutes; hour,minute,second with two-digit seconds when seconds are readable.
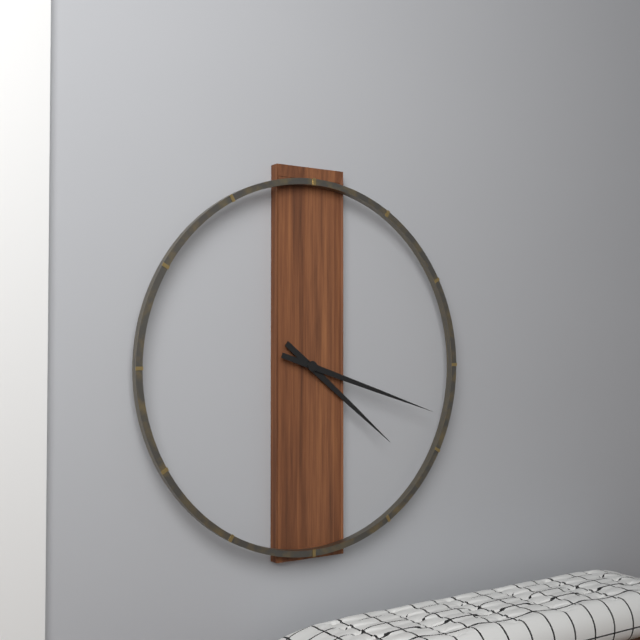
4,18
